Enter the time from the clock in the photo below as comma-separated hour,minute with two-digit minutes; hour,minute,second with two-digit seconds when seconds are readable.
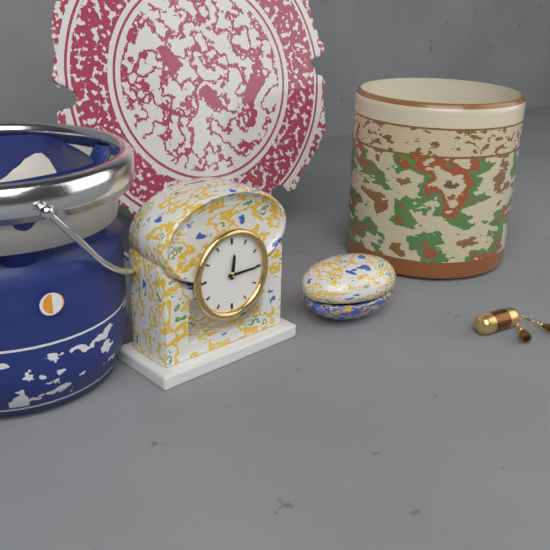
12,15
